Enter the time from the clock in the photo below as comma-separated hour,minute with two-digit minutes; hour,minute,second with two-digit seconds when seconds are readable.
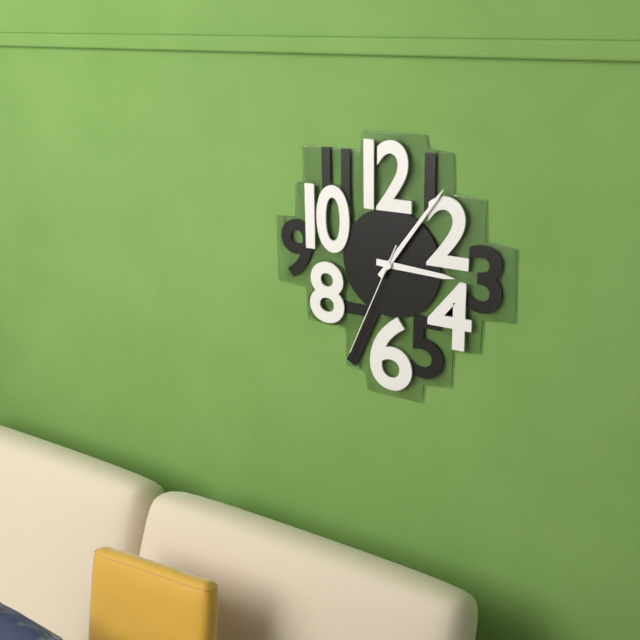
3,06,34
